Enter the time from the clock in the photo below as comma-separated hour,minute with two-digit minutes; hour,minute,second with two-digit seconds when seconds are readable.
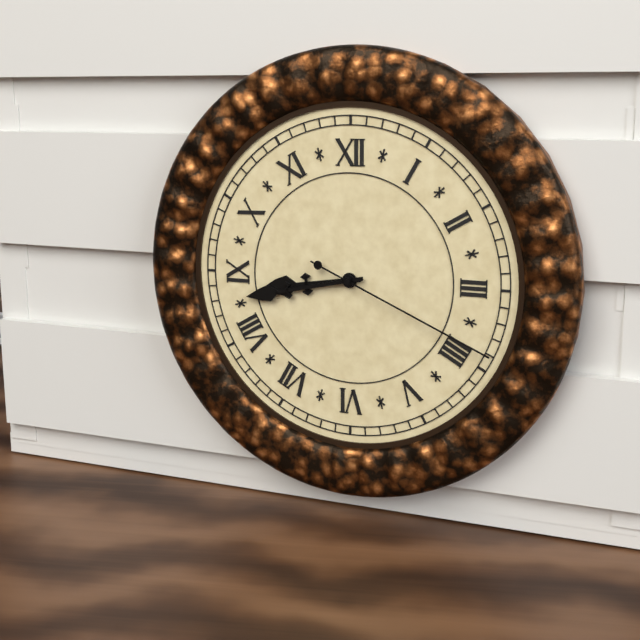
8,43,19
